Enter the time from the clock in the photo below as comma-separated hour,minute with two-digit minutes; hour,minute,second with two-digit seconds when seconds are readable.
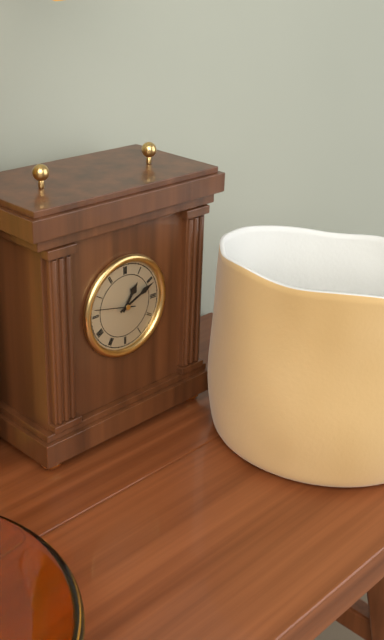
1,11
